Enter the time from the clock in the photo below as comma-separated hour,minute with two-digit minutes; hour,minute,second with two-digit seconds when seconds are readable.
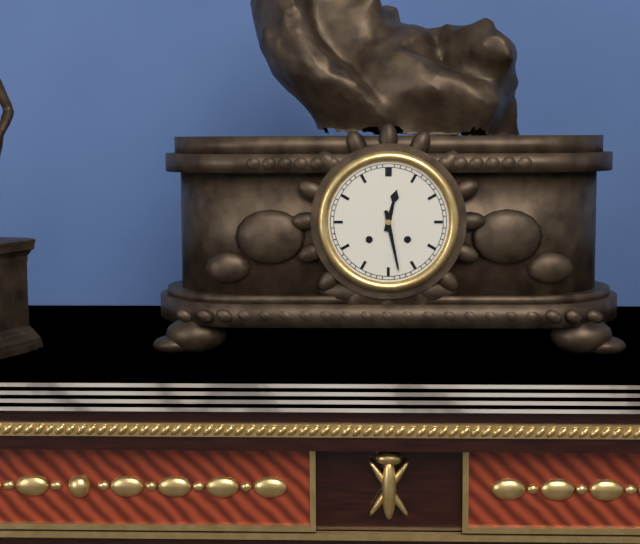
12,28
